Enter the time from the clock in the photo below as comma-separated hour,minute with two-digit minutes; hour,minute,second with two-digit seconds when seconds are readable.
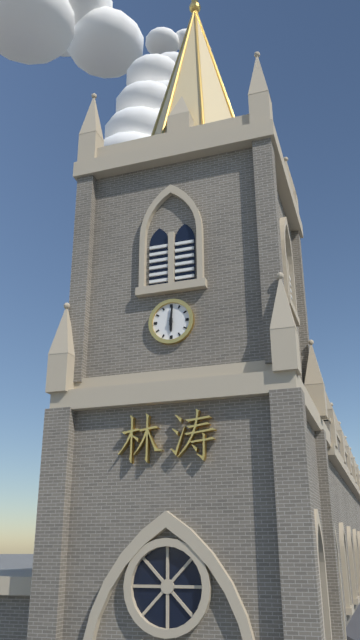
6,01
